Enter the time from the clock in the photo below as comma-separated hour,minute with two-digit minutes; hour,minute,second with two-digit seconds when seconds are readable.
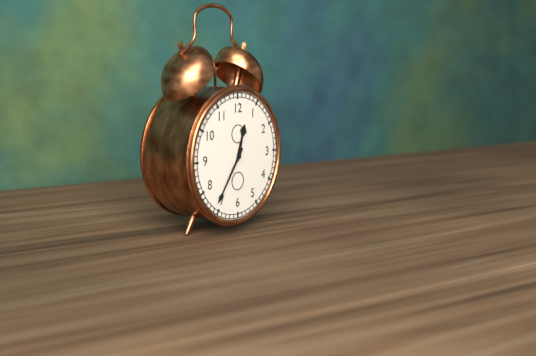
12,36
